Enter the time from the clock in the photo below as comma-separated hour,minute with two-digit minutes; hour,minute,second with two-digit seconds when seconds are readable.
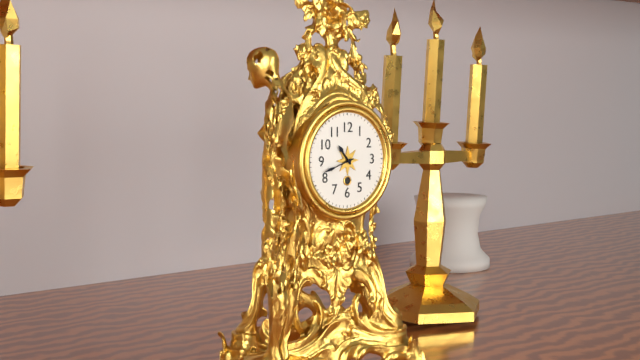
10,42
